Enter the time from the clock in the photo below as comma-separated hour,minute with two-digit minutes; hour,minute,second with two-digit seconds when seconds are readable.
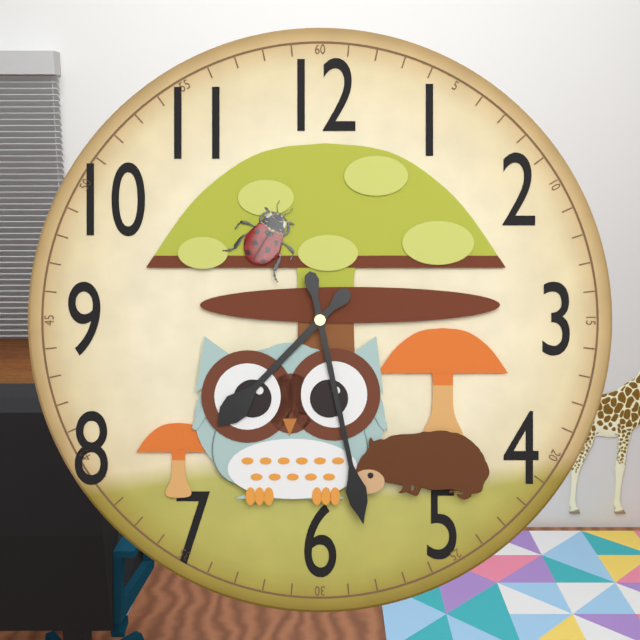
7,28
